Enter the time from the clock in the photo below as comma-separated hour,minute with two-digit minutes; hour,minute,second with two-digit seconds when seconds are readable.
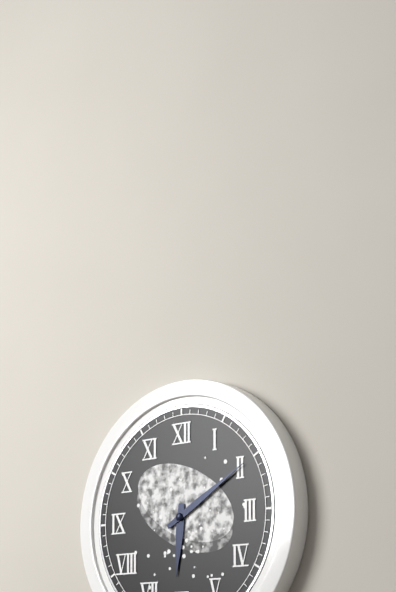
6,10
